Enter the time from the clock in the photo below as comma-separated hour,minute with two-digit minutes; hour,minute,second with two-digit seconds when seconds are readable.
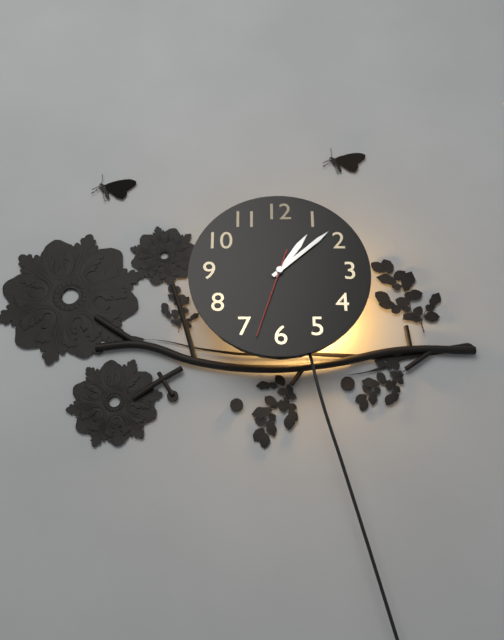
1,08,33
